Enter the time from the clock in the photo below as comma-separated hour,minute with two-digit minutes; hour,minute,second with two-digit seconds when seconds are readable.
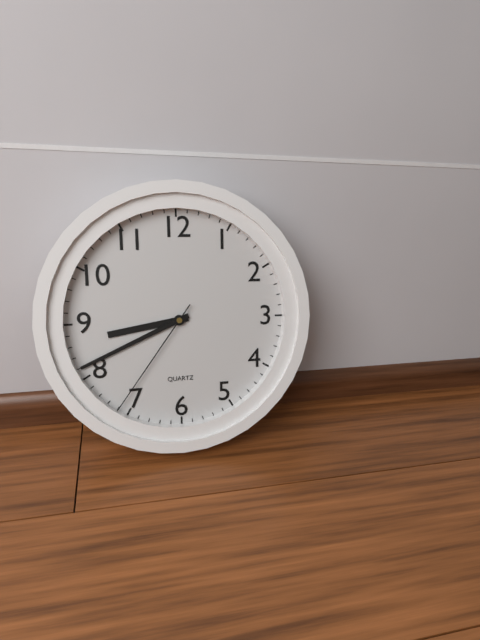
8,41,36
